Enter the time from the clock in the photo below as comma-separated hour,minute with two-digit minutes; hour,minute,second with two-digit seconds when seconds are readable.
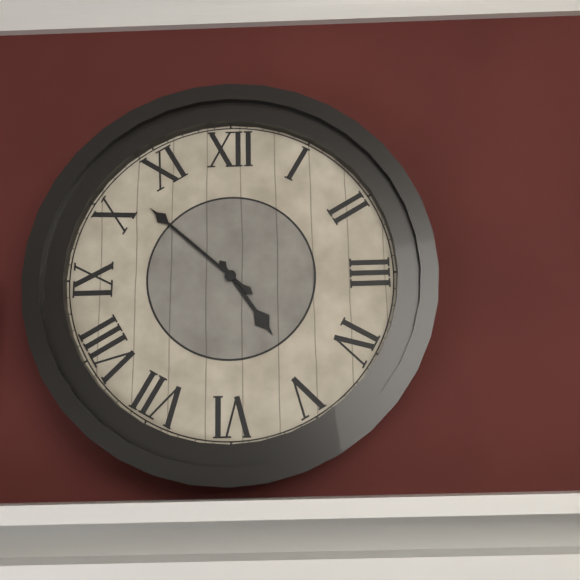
4,52
